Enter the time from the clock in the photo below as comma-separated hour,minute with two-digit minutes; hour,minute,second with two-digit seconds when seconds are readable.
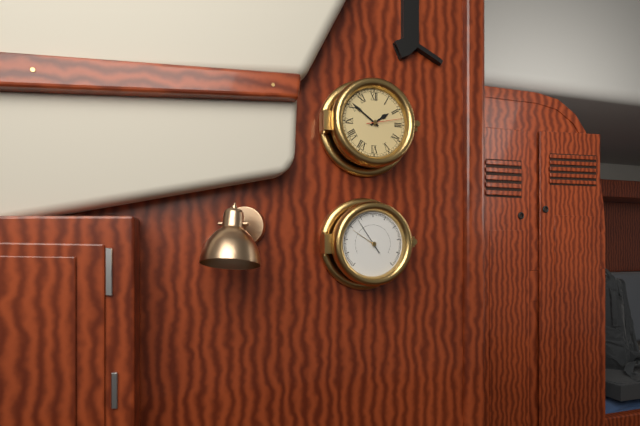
1,51,13
